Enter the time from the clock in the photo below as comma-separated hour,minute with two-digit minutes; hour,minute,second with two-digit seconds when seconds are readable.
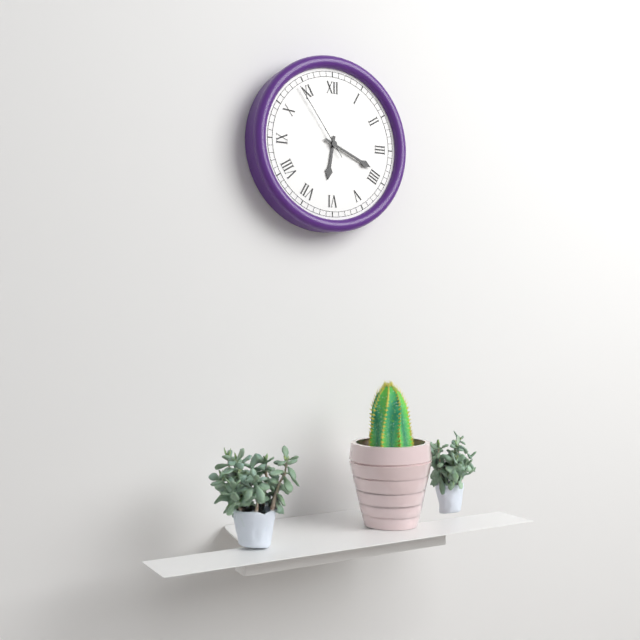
6,19,54
